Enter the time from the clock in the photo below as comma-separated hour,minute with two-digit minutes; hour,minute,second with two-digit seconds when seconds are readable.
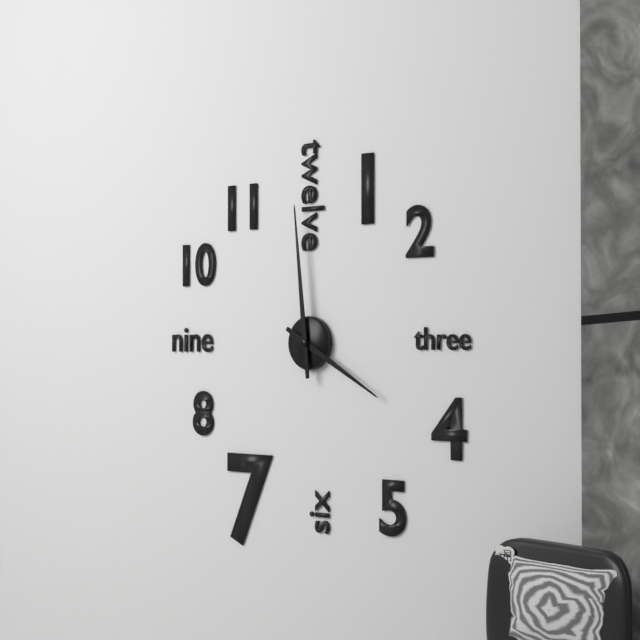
3,59
